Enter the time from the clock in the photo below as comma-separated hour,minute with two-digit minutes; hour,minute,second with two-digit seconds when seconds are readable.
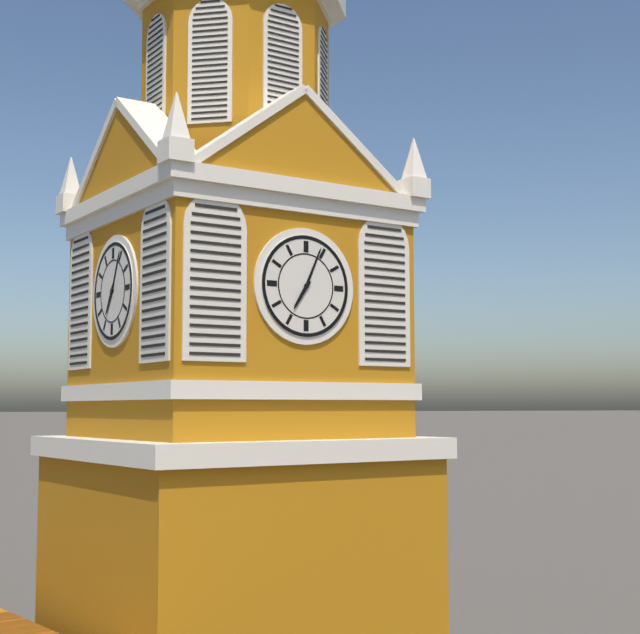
7,04
